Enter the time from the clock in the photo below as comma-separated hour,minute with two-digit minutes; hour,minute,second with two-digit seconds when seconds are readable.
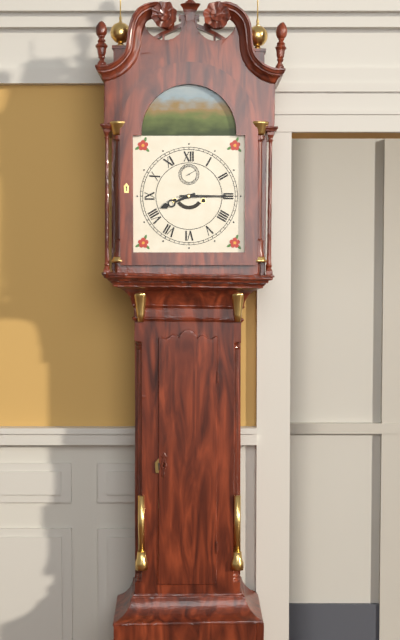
8,15
